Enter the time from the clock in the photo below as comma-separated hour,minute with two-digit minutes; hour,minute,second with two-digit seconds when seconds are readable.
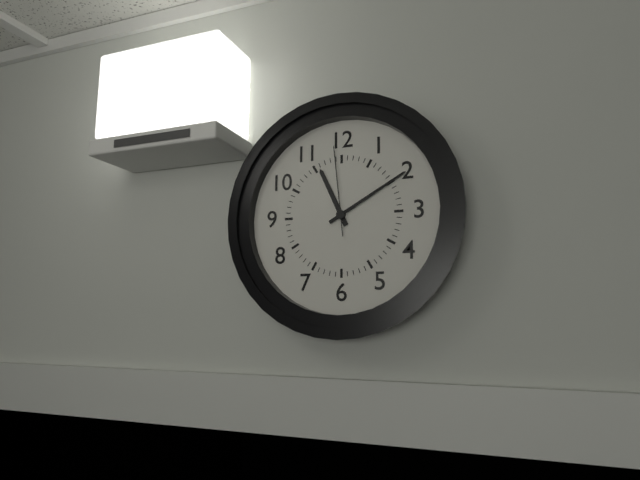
11,10,59
